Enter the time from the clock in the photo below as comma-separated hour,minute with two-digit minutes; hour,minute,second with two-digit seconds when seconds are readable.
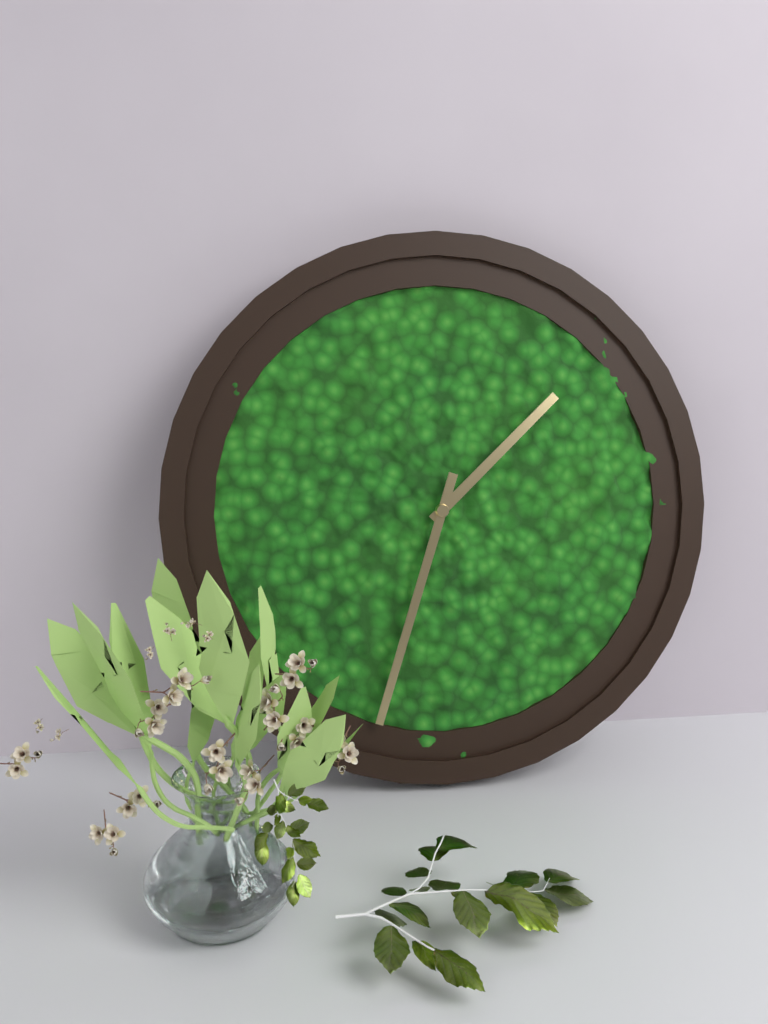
1,33
